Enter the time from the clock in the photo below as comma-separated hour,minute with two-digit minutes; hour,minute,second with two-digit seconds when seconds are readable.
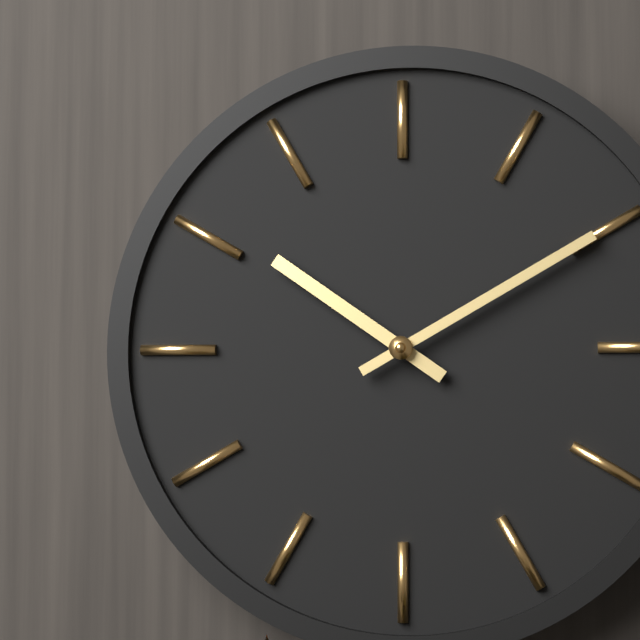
10,10
